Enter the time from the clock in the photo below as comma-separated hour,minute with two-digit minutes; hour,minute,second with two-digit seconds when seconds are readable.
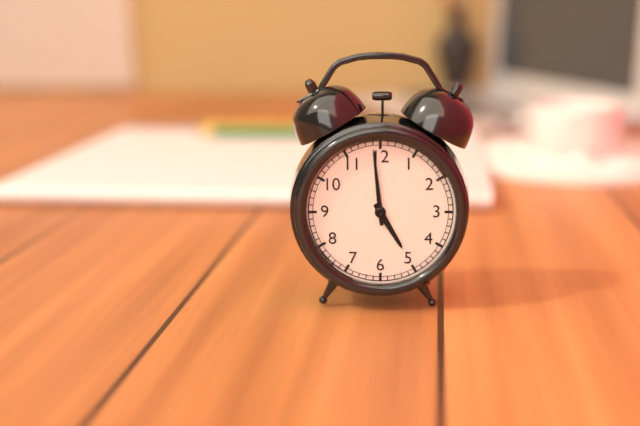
4,59
